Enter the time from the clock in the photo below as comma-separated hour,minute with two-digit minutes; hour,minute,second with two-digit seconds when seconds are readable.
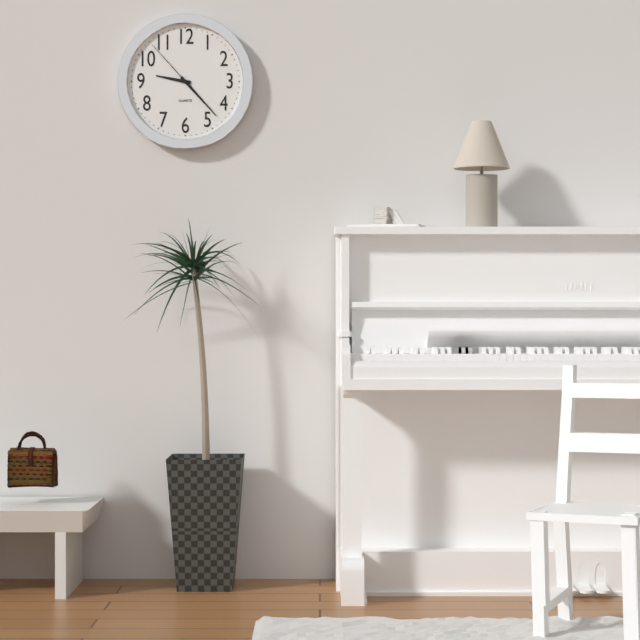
9,23,53
